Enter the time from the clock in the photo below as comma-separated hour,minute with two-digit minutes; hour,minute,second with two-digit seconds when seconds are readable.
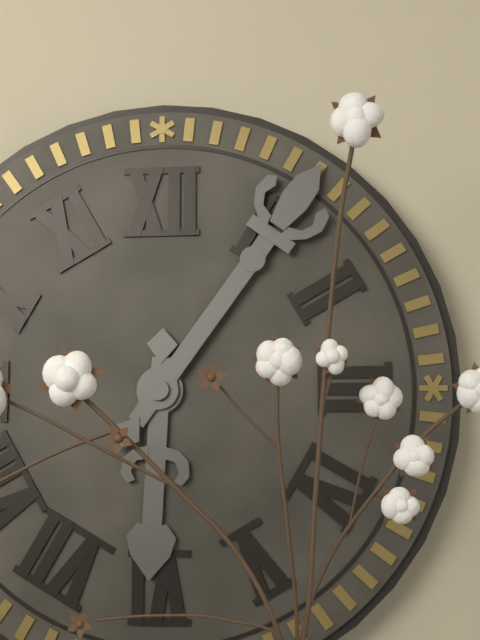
6,06
